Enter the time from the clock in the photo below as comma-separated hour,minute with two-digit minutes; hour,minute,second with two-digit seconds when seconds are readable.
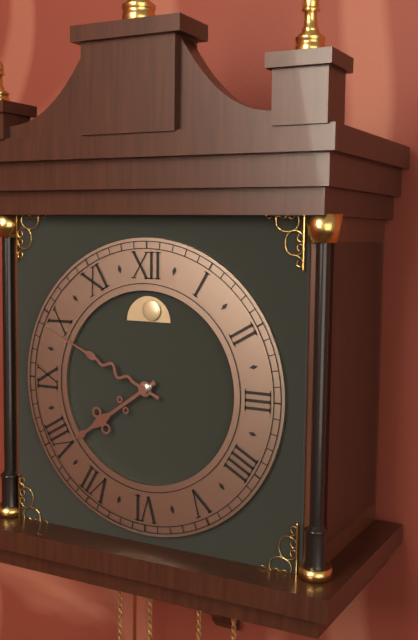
7,49
